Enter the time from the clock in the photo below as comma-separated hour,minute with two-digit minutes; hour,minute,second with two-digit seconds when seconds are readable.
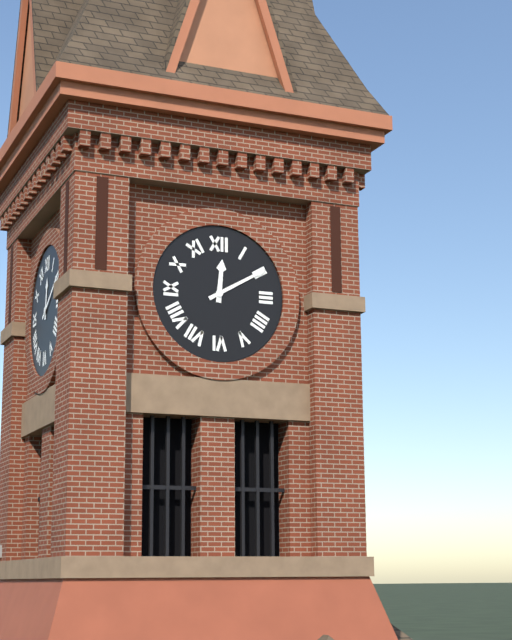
12,10
